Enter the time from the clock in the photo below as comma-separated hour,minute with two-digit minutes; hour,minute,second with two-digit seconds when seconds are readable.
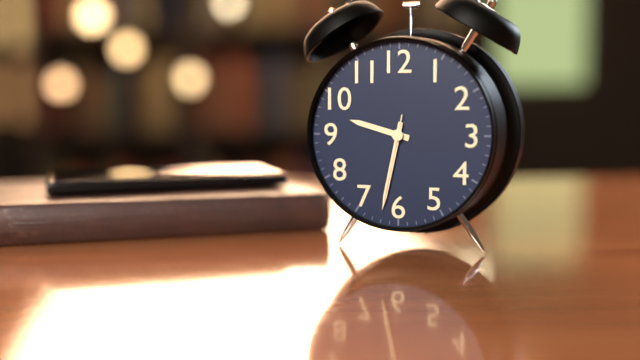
9,32,32
